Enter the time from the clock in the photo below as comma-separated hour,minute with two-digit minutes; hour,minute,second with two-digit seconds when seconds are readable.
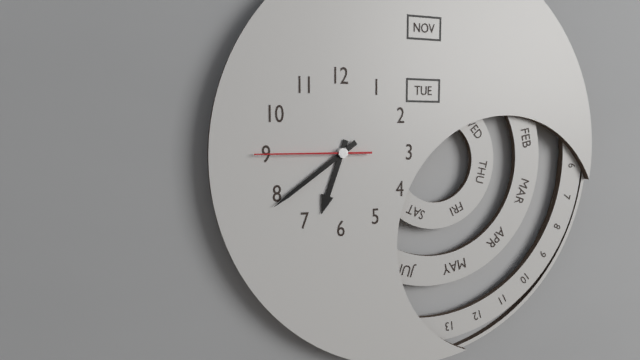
6,39,45
